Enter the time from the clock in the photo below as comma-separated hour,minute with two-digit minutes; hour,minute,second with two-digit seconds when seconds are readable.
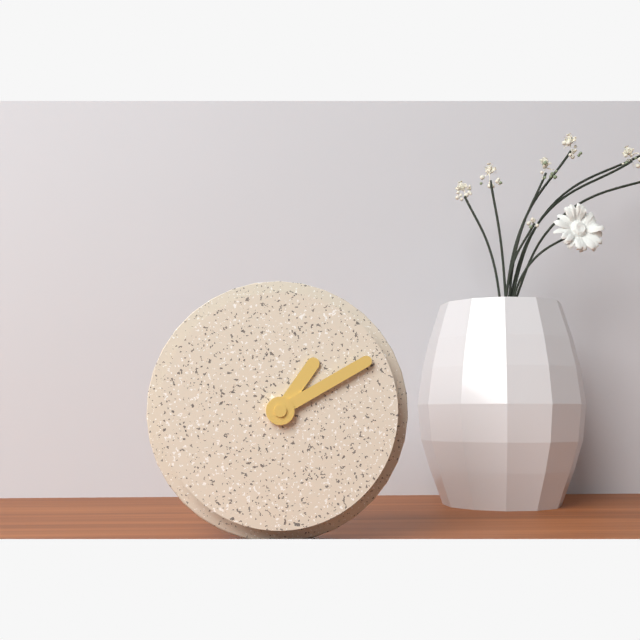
1,10
